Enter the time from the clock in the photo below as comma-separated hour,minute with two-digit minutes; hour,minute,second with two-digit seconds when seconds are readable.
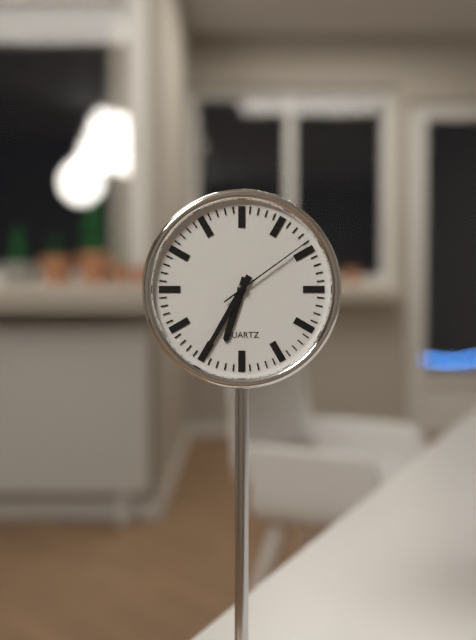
6,35,09
